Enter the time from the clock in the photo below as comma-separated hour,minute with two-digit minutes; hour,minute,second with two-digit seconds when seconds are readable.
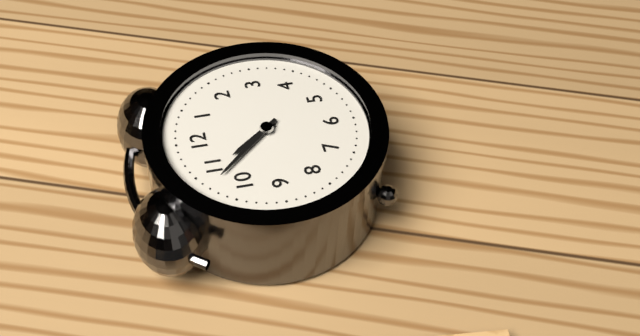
10,53
